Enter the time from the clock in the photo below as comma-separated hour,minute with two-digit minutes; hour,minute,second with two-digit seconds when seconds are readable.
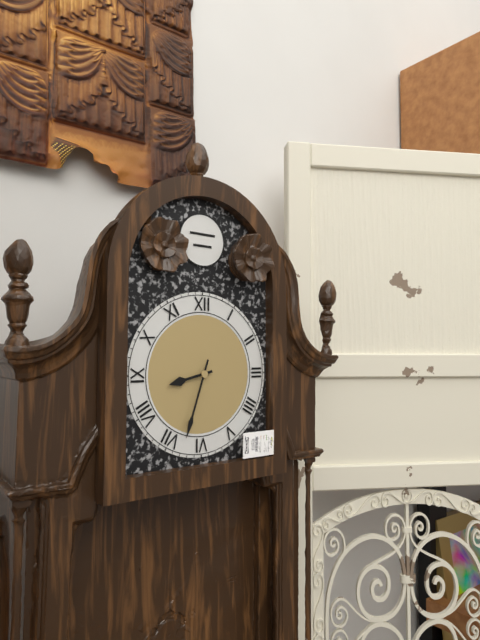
8,33
